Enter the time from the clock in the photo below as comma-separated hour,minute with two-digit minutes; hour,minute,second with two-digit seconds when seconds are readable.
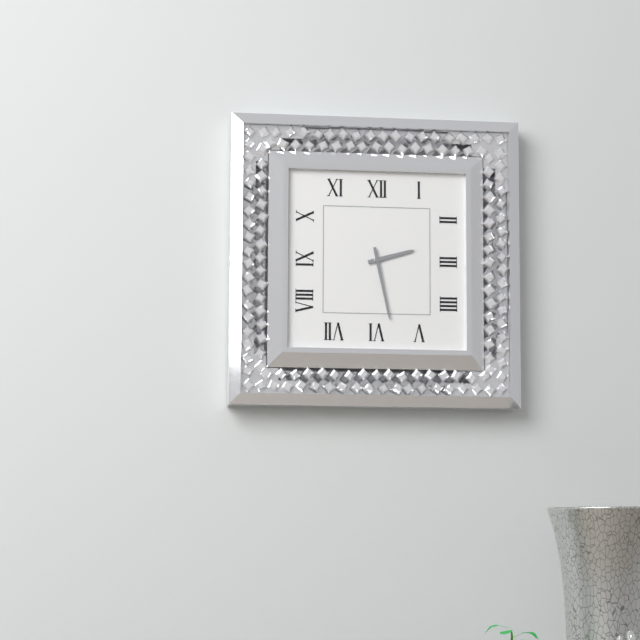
2,28
